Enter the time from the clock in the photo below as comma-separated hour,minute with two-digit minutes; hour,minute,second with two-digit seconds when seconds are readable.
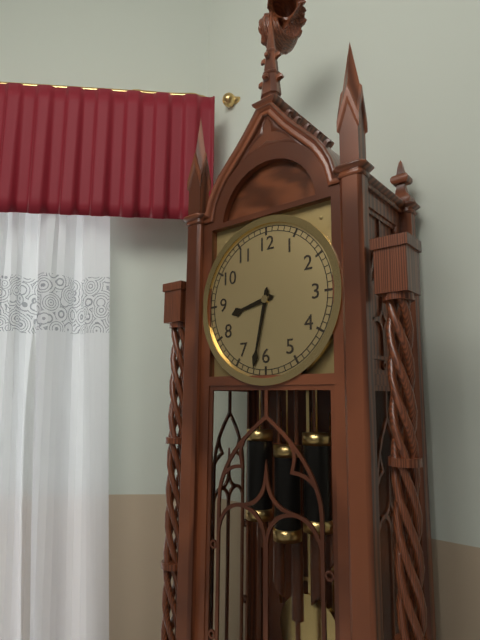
8,32
